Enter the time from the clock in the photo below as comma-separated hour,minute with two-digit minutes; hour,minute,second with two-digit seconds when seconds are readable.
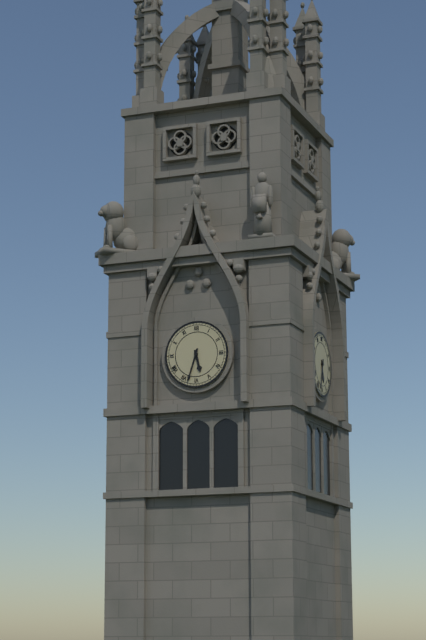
5,33
